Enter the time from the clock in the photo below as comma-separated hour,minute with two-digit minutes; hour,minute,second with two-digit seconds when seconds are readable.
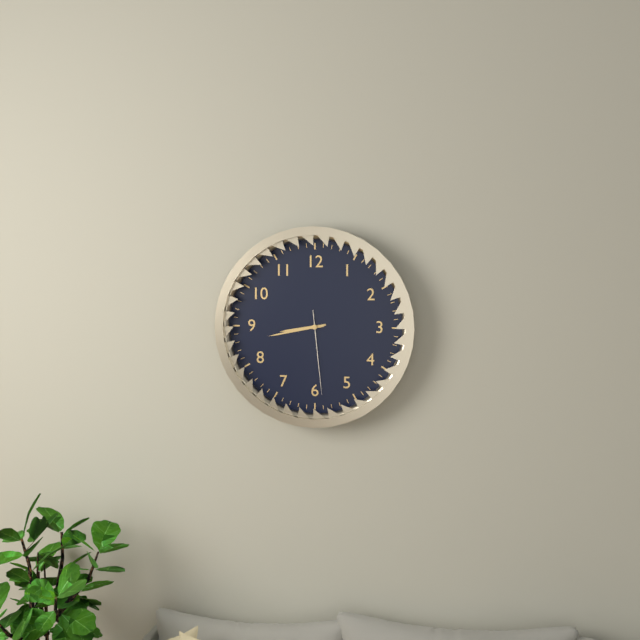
8,43,29
